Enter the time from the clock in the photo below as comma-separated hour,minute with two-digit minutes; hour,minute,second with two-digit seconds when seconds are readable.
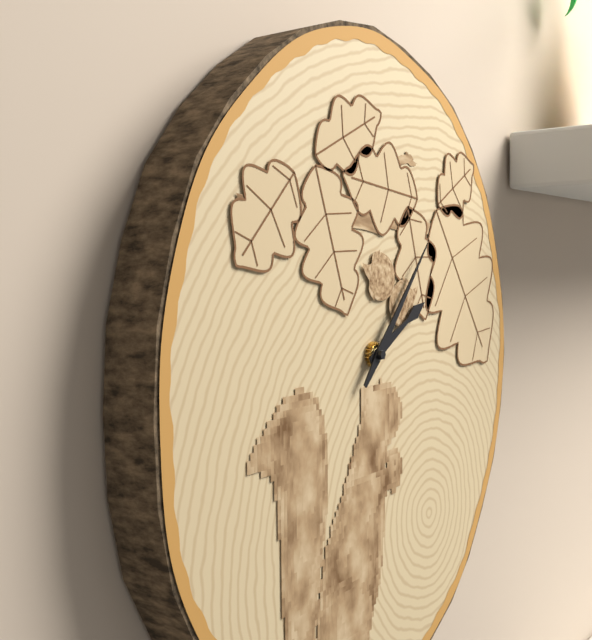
2,07
